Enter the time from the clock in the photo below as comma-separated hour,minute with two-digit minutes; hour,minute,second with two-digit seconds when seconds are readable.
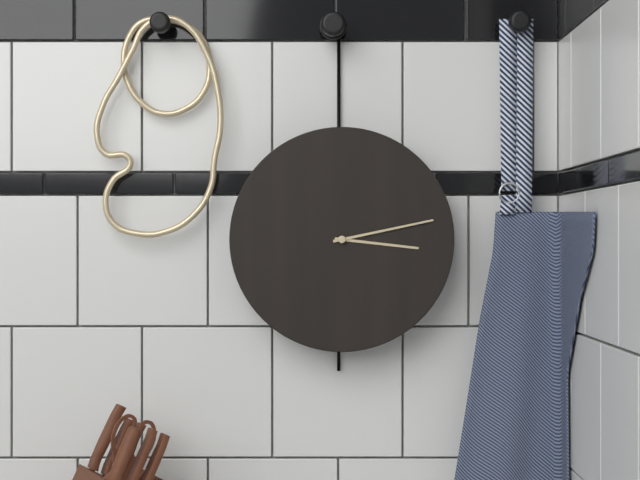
3,13
